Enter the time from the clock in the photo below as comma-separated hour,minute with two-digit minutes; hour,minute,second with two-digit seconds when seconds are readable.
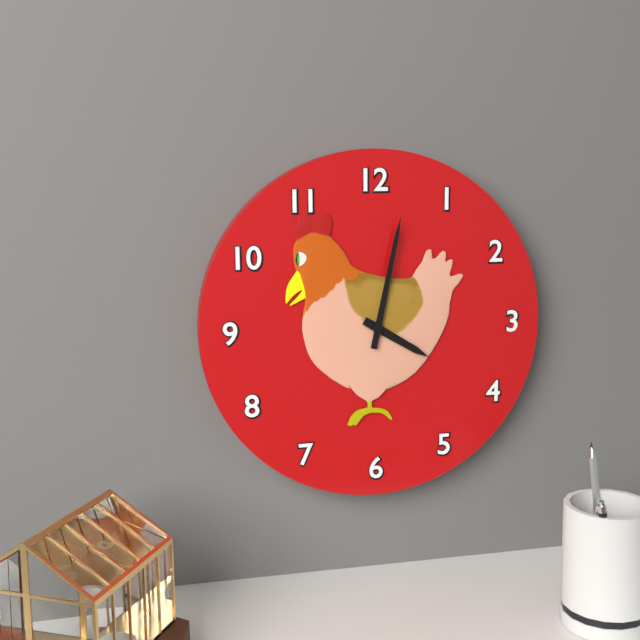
4,02
